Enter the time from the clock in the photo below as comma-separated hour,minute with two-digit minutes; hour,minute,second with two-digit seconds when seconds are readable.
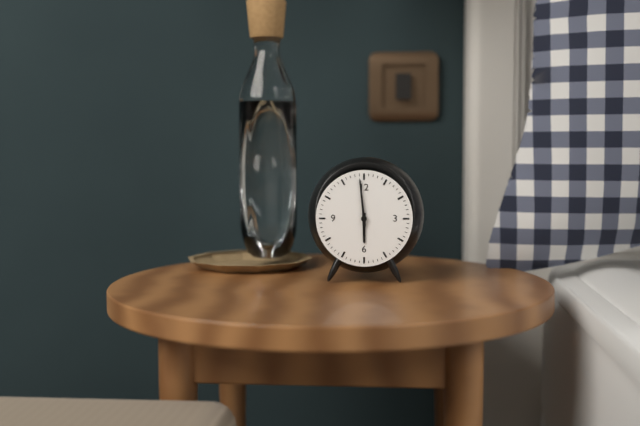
5,59
